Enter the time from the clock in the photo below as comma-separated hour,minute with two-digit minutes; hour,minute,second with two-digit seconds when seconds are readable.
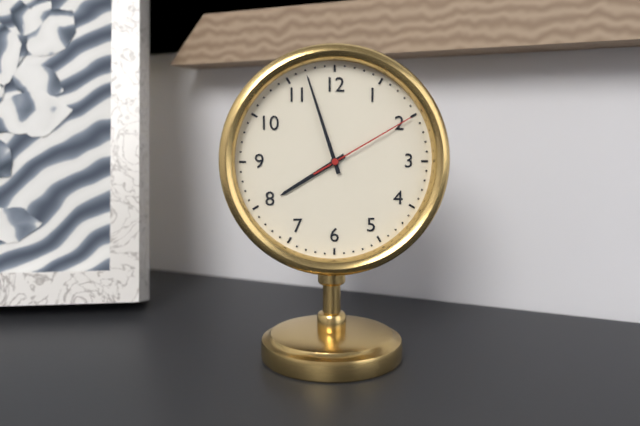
7,57,10
